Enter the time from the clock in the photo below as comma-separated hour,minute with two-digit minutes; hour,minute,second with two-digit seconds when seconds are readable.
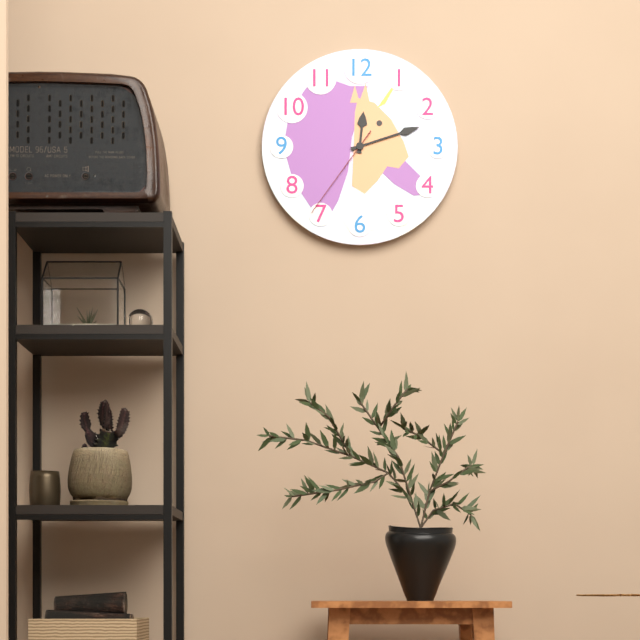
12,12,36
